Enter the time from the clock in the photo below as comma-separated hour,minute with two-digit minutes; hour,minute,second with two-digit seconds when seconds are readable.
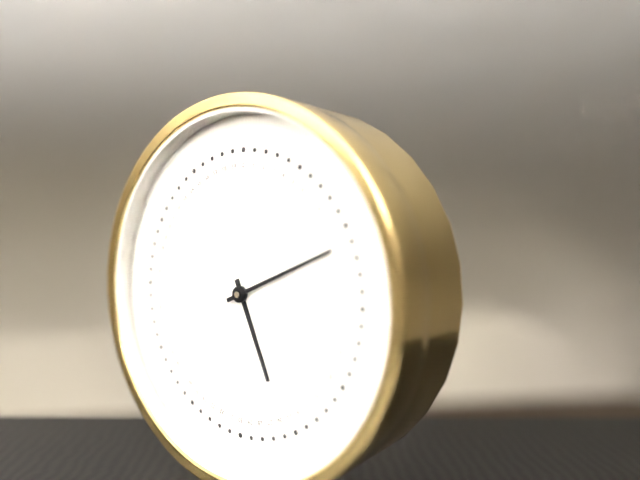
5,11
